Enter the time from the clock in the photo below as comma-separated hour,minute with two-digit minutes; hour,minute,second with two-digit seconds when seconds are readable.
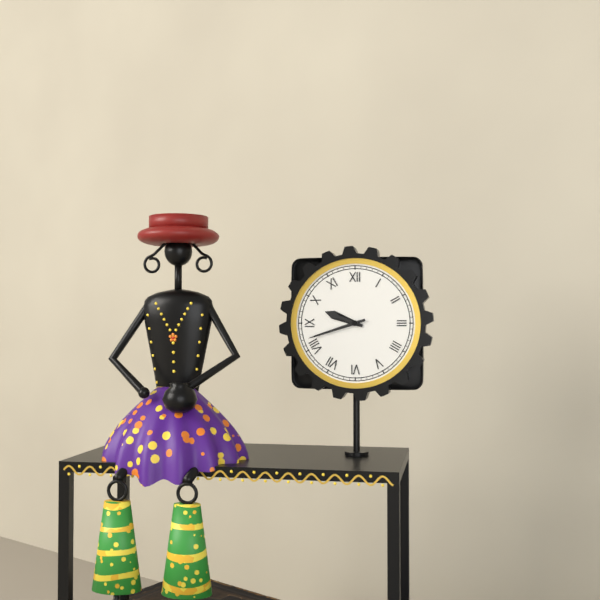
9,42
